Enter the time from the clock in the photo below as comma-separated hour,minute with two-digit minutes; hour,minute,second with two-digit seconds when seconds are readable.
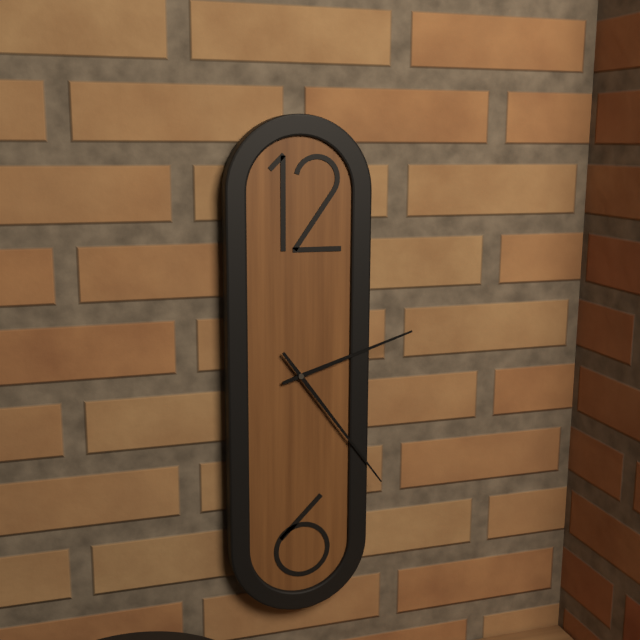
2,24
